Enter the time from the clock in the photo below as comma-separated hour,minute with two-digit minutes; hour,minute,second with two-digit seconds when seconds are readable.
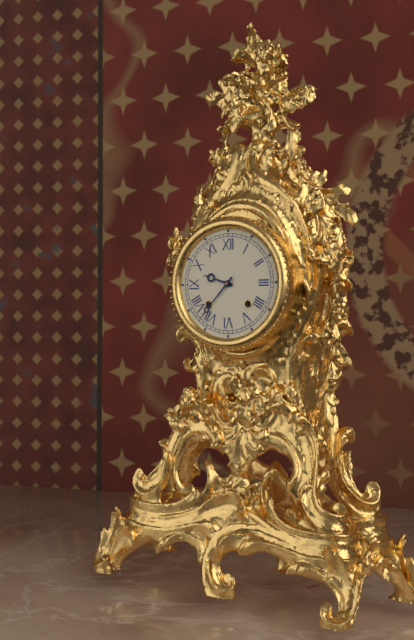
9,37
